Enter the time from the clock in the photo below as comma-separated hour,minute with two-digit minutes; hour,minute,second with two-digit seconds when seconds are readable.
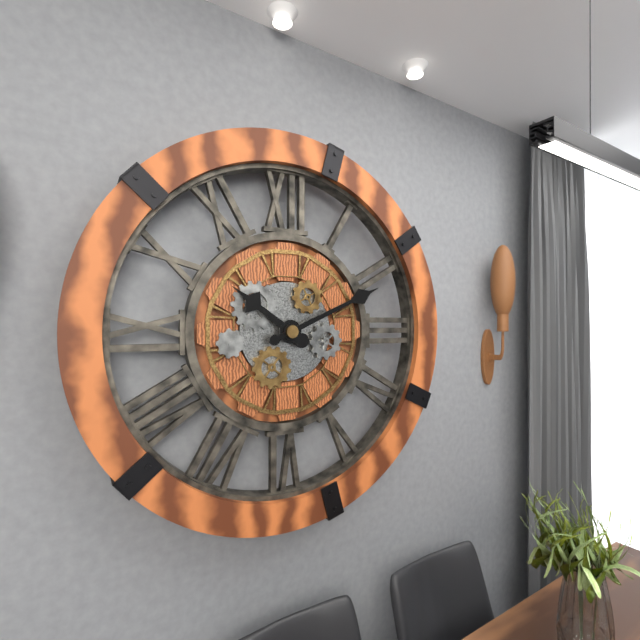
10,11
